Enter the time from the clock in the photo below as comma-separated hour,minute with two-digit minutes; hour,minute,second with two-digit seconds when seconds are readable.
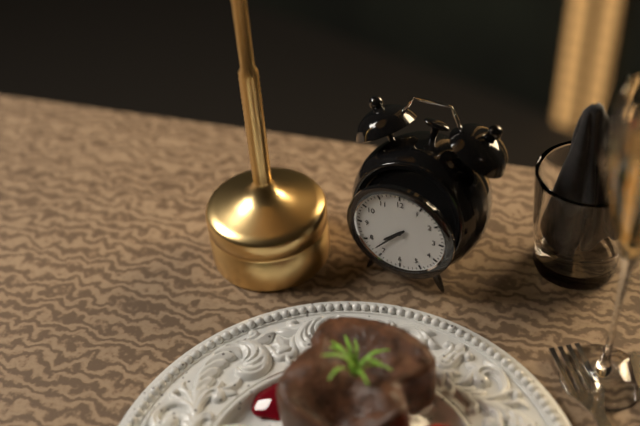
7,37
